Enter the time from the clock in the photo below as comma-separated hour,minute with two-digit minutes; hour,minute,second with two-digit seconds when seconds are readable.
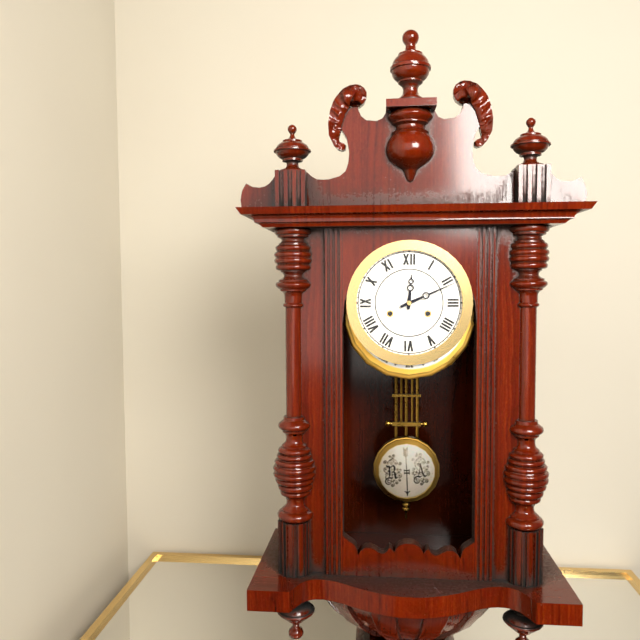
12,11
